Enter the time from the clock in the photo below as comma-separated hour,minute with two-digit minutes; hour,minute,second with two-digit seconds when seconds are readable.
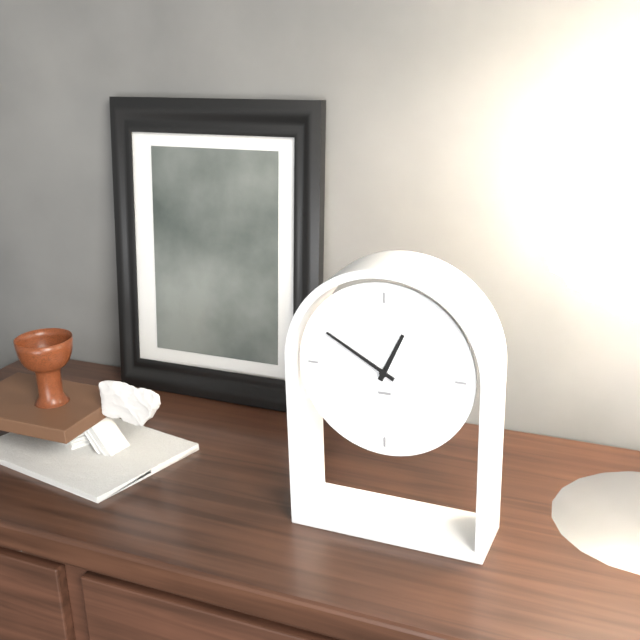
12,50
